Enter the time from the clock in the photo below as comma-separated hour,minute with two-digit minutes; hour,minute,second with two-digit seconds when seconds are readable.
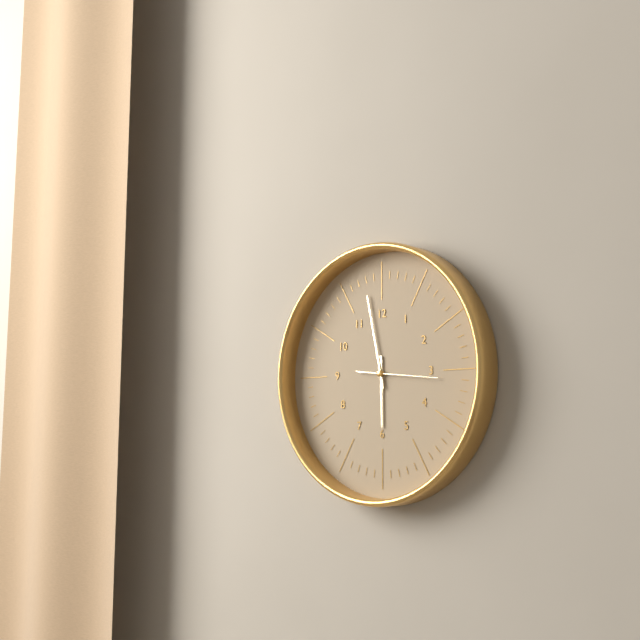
5,58,16
